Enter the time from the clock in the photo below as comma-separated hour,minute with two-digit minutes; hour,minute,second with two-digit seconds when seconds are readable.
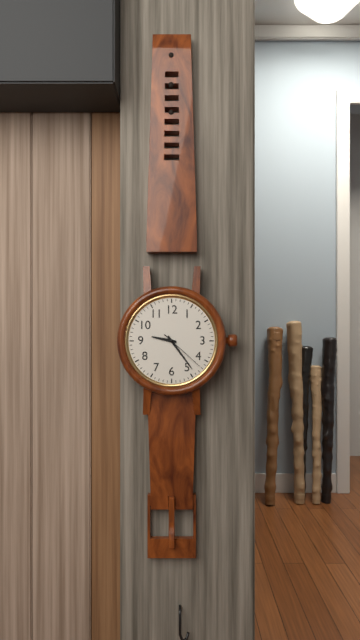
9,24
